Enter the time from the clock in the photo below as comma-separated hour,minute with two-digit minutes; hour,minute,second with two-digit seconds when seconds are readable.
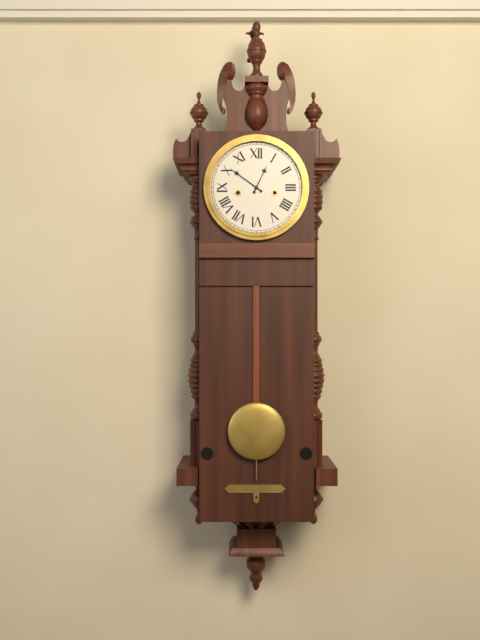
12,51
